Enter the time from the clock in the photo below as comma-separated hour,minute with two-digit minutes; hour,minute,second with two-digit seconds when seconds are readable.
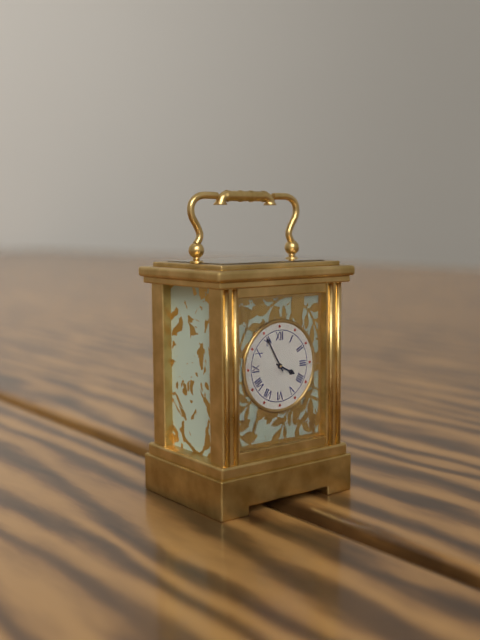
3,55
